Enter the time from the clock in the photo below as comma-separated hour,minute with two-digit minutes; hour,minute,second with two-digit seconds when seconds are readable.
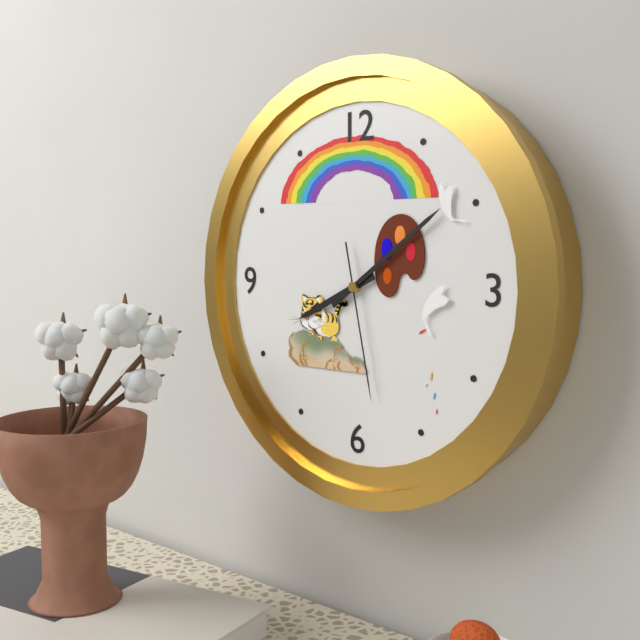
8,09,28
